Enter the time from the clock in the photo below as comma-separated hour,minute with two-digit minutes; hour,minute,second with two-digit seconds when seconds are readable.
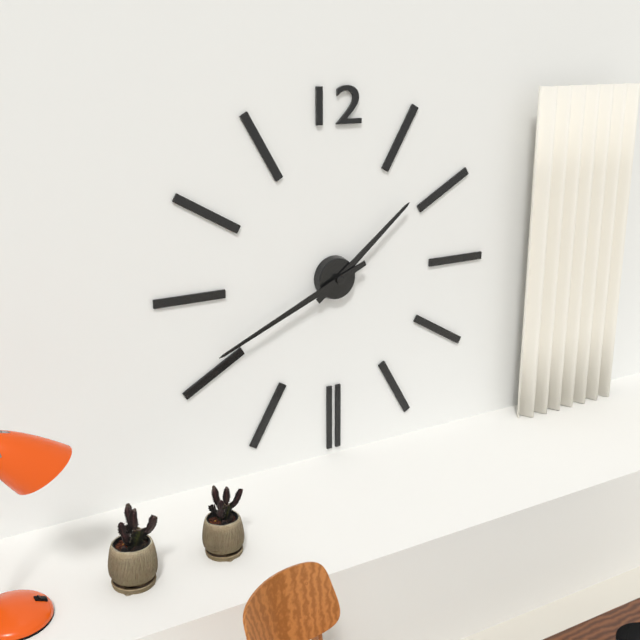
1,41
